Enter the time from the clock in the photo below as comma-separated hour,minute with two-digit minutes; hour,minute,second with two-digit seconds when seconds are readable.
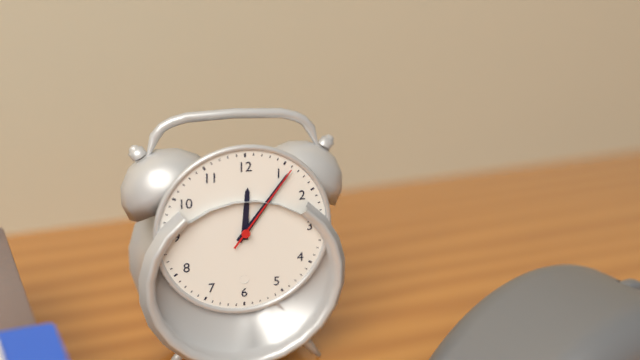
12,06,06
